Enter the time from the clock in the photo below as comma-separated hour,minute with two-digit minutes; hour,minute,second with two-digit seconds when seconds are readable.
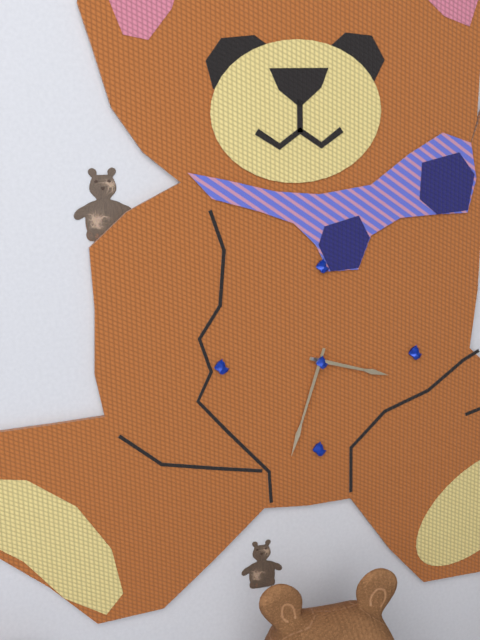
3,33
